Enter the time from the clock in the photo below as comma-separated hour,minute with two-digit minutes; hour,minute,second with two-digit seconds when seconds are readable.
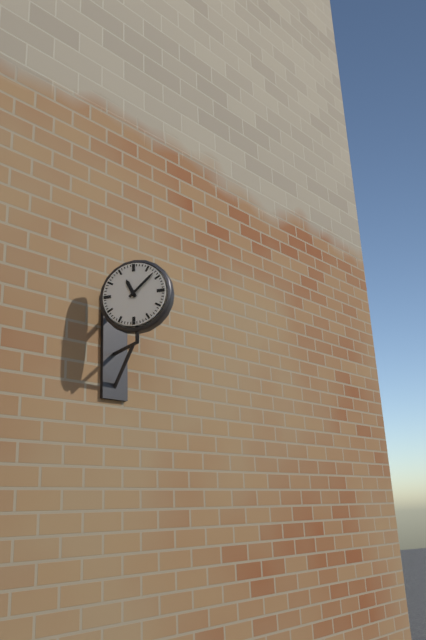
11,08
